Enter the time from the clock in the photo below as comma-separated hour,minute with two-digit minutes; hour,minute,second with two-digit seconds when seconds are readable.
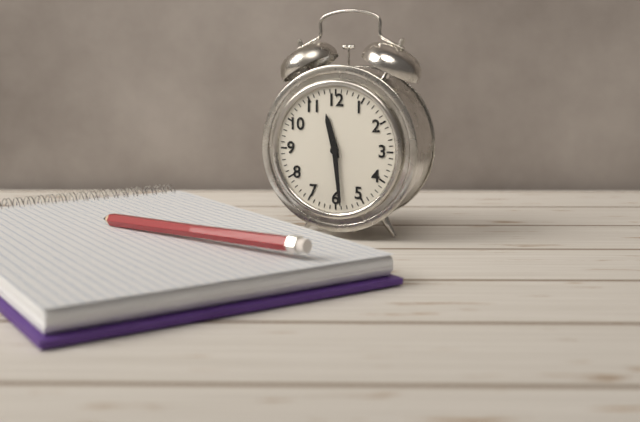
11,29
